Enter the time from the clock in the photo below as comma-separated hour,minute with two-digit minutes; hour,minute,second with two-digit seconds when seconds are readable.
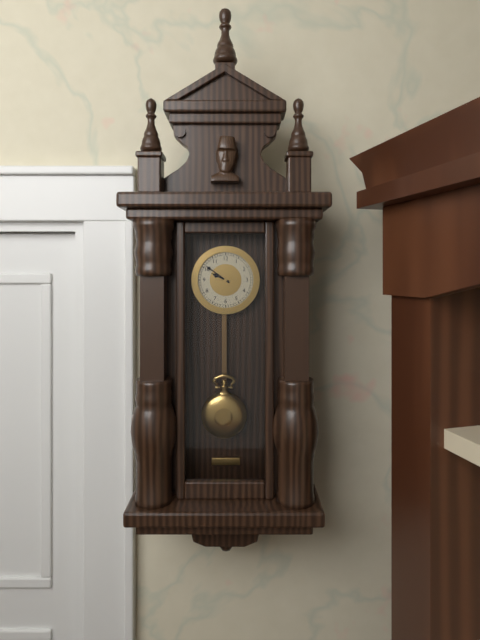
9,51
